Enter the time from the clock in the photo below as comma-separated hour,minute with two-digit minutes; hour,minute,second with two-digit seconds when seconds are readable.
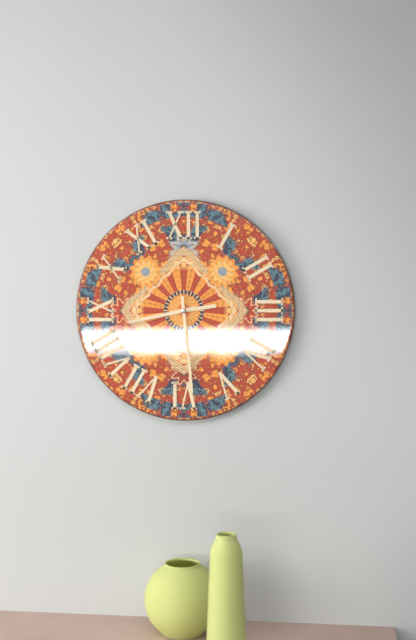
2,43,29
